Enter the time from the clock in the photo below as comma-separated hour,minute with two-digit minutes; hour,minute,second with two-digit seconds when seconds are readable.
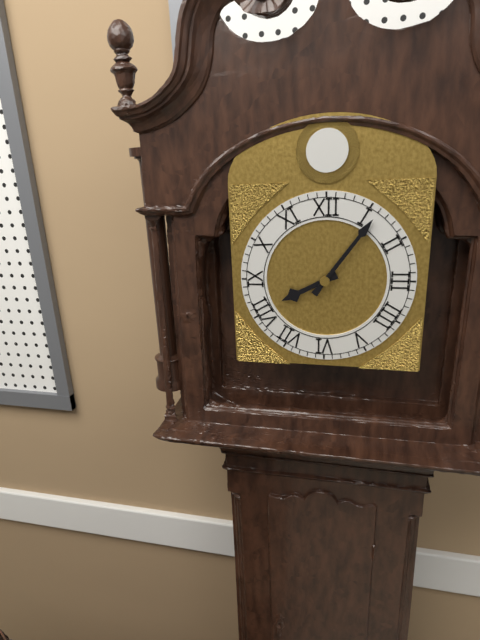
8,06
